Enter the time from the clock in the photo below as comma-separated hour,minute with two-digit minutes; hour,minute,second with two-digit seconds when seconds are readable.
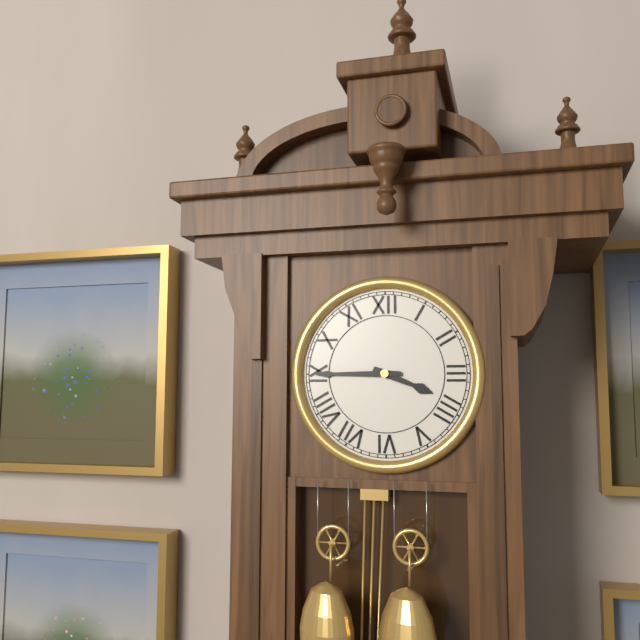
3,45
